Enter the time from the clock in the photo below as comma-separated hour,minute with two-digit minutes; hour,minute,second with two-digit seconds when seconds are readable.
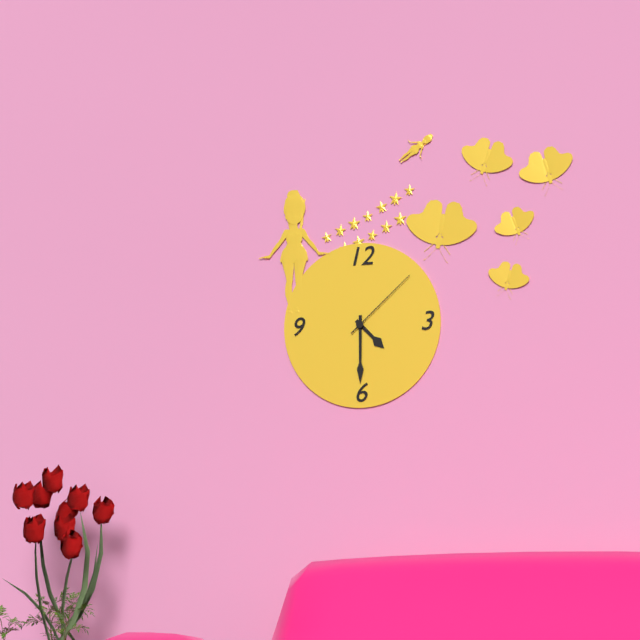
4,30,08
